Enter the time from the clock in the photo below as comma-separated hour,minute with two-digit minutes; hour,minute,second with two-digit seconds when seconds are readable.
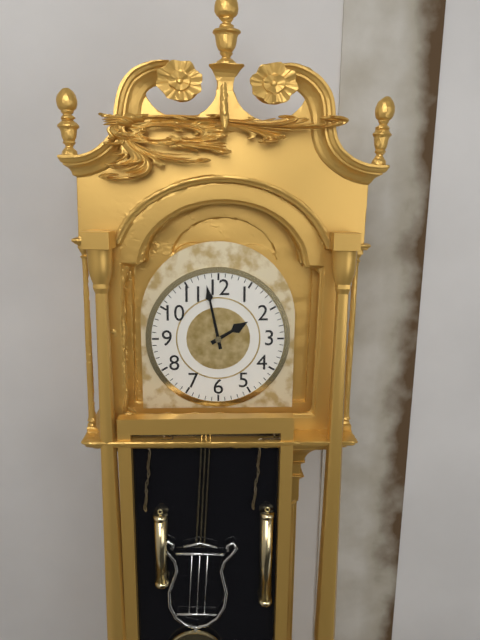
1,58
